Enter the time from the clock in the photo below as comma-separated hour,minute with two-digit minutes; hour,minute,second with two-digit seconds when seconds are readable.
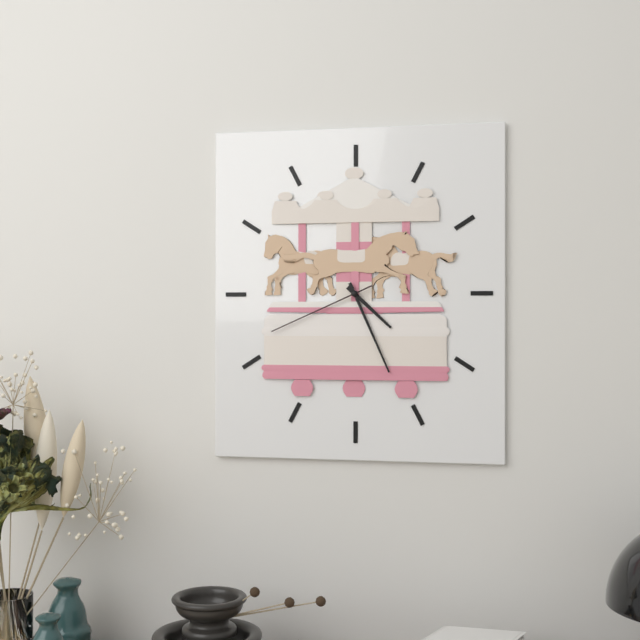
4,26,41
